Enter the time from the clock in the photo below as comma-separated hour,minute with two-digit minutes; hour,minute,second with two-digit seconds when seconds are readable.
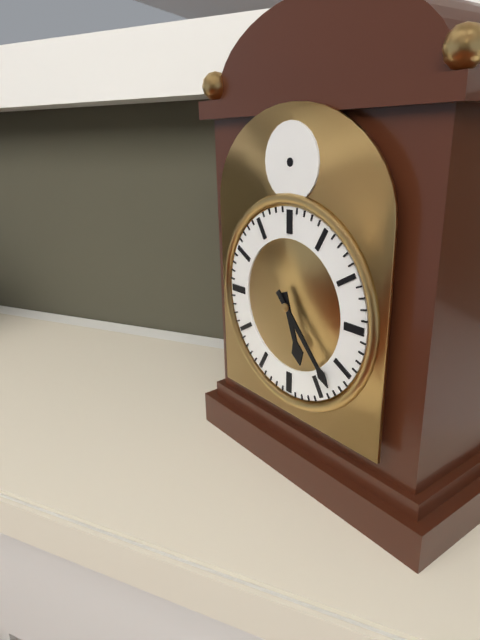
5,23
